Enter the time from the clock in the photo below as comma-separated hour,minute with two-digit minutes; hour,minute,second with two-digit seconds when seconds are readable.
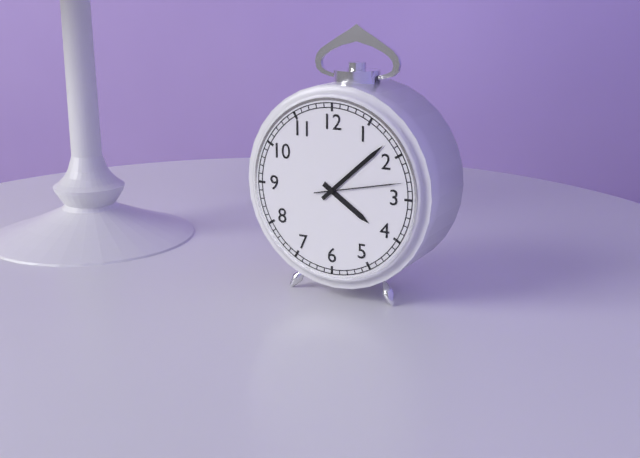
4,08,13
